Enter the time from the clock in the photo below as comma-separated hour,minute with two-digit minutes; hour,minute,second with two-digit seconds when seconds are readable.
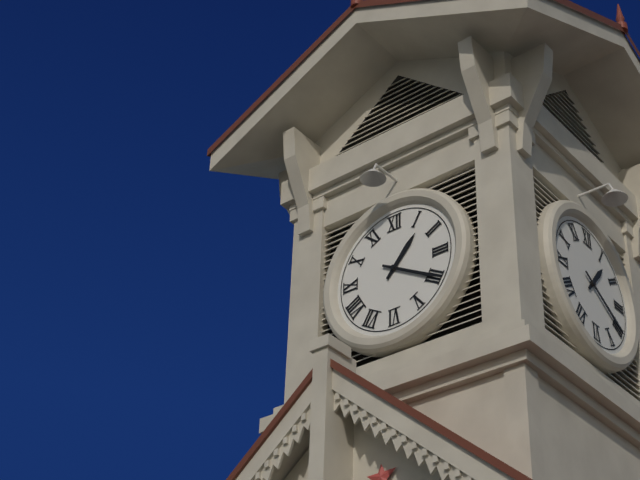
1,20
